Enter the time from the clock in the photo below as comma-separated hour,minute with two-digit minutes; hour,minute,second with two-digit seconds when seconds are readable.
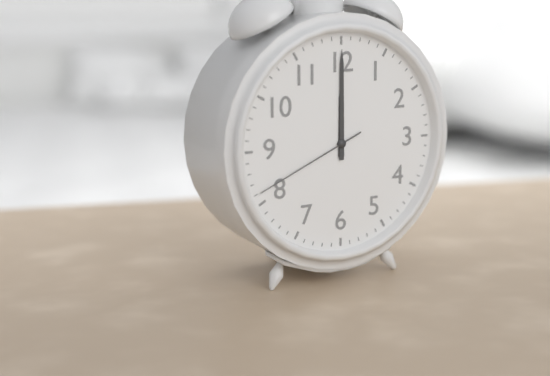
12,00,41
